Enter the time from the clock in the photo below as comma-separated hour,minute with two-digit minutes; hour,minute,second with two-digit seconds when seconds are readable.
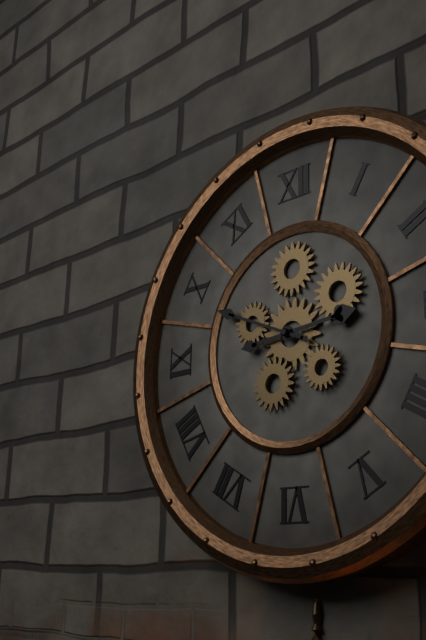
2,49
